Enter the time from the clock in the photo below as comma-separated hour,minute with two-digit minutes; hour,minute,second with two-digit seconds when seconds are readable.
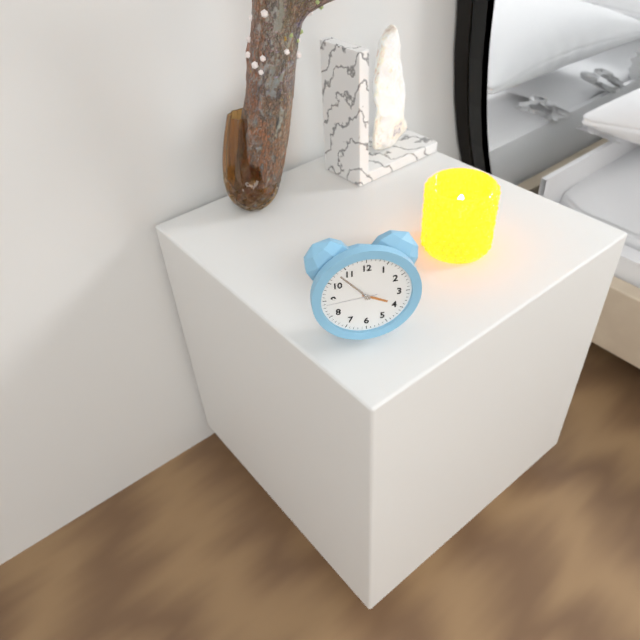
3,53,44
